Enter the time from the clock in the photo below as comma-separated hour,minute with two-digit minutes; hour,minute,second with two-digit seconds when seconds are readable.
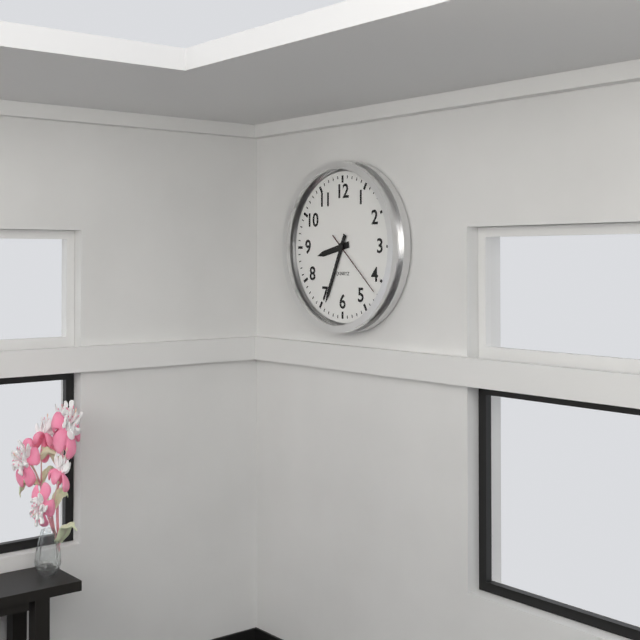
8,34,22
